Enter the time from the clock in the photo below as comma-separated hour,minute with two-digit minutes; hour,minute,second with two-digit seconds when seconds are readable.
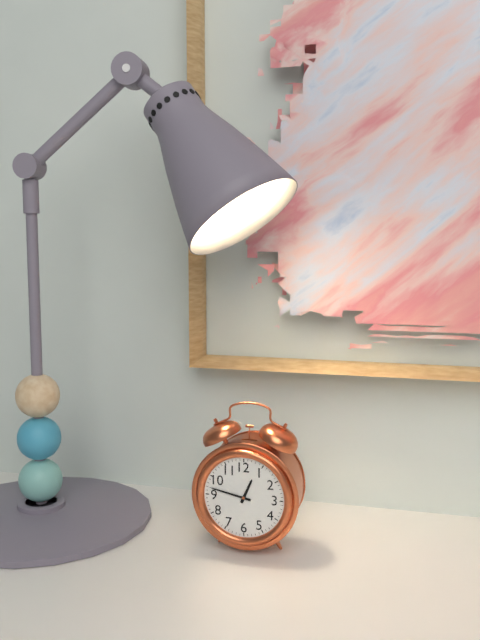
12,47
